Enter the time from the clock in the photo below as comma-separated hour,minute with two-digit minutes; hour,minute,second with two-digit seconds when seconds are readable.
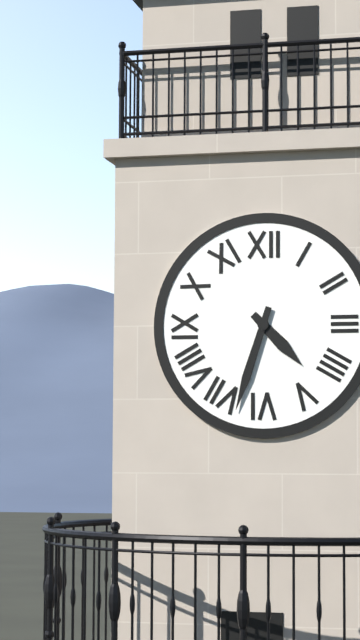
4,33
